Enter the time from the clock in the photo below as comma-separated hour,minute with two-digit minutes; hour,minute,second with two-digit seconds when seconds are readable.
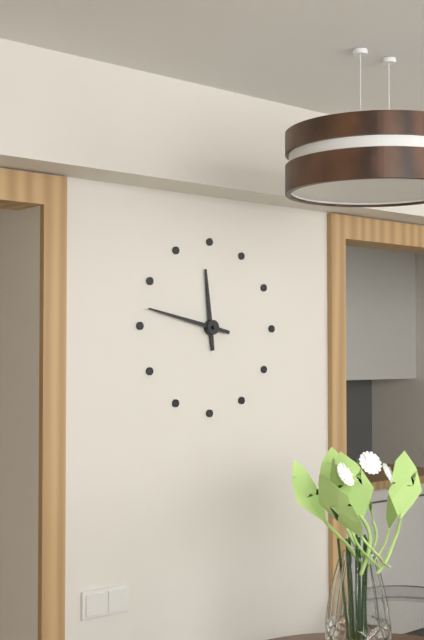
11,47
